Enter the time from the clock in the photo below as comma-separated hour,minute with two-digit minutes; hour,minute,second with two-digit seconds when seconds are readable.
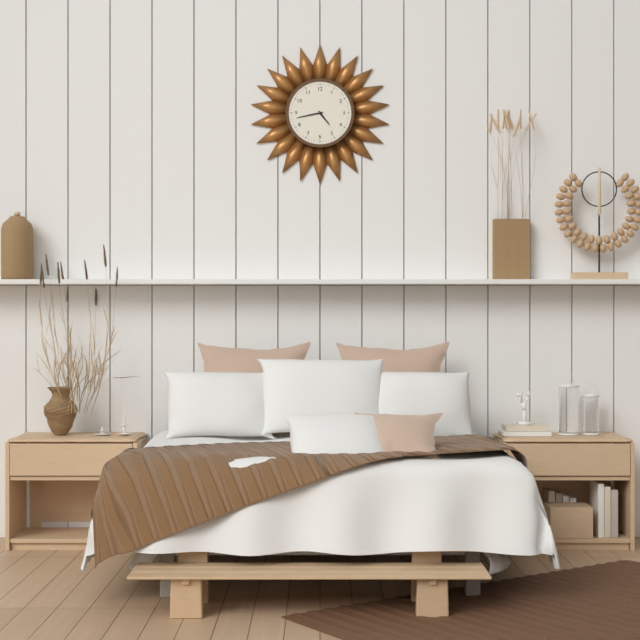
4,43
